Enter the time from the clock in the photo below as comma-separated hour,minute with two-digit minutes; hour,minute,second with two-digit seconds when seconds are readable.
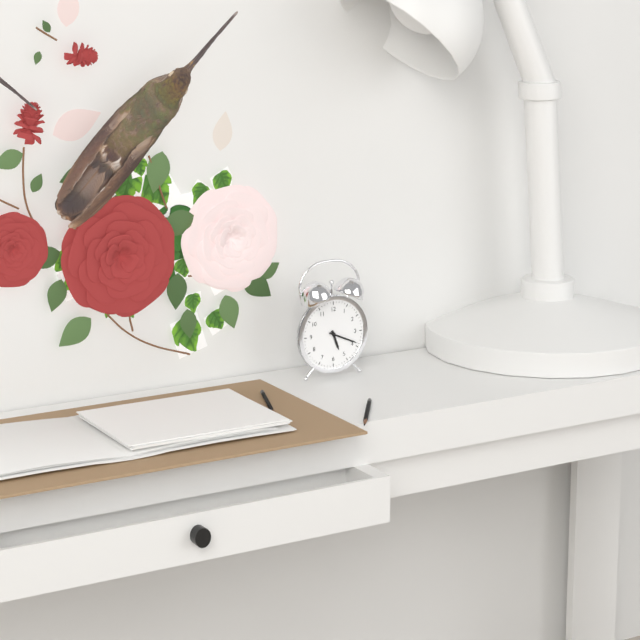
5,19
